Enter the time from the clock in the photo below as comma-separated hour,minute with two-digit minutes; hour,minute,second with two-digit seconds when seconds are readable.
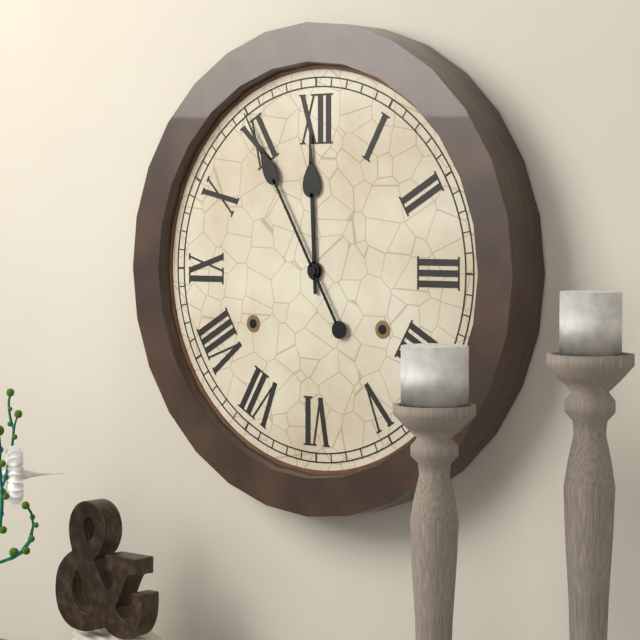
11,55
